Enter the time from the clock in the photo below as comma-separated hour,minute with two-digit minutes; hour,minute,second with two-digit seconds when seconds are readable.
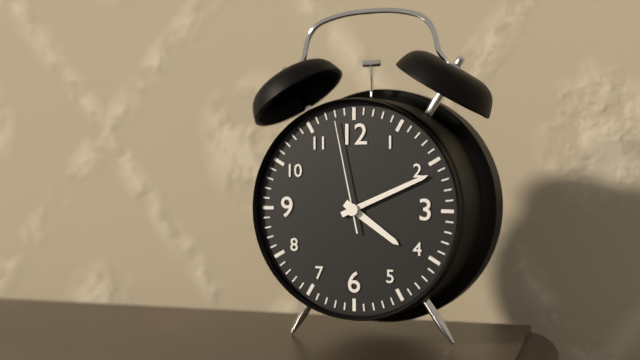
4,11,58
